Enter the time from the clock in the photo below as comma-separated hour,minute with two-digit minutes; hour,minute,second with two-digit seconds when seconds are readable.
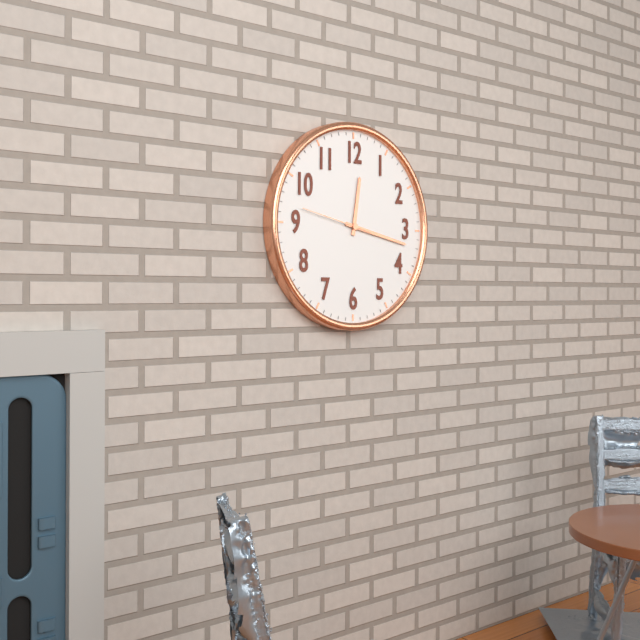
12,17,47
